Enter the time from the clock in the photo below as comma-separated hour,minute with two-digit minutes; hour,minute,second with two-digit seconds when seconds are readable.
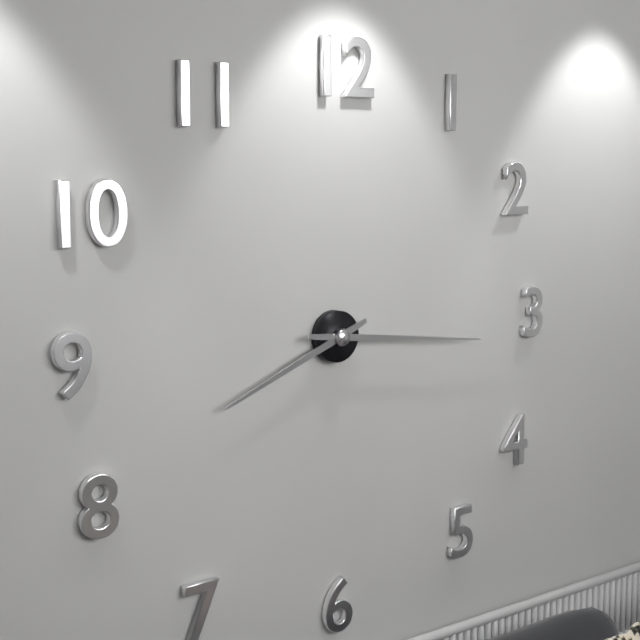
8,16
